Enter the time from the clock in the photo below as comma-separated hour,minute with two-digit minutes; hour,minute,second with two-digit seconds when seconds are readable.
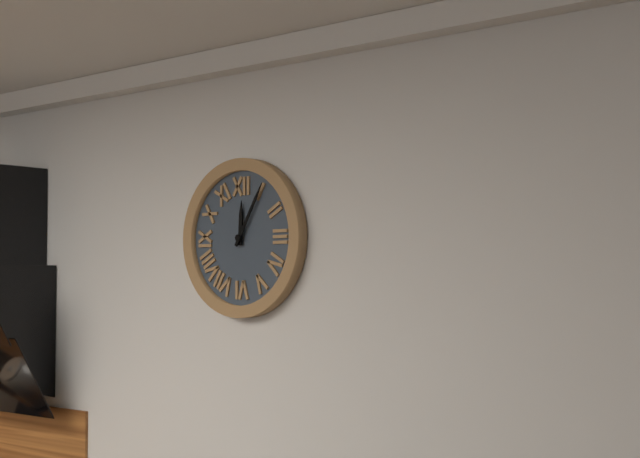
12,05
